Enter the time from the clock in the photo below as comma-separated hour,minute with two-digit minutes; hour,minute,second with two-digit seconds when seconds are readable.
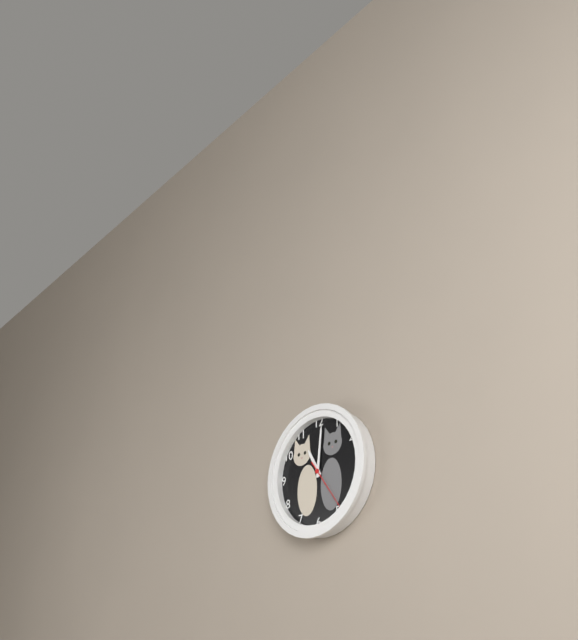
11,01,24
